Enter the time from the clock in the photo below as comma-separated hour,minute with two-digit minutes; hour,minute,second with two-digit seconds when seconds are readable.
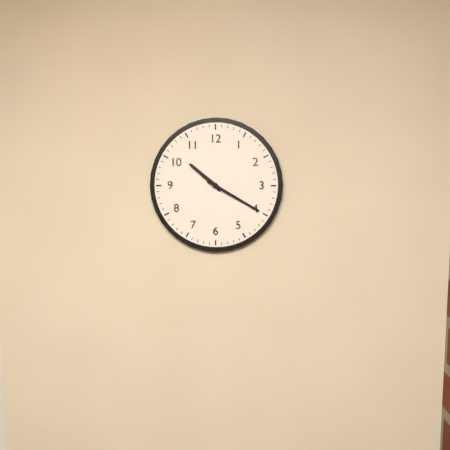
10,20
